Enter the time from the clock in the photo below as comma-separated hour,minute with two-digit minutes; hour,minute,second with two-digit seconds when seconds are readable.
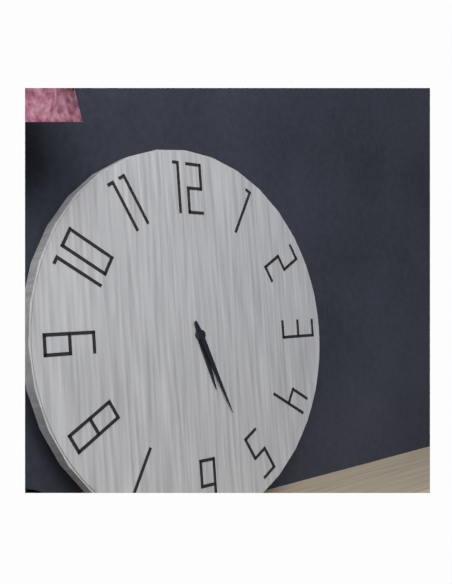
5,26
